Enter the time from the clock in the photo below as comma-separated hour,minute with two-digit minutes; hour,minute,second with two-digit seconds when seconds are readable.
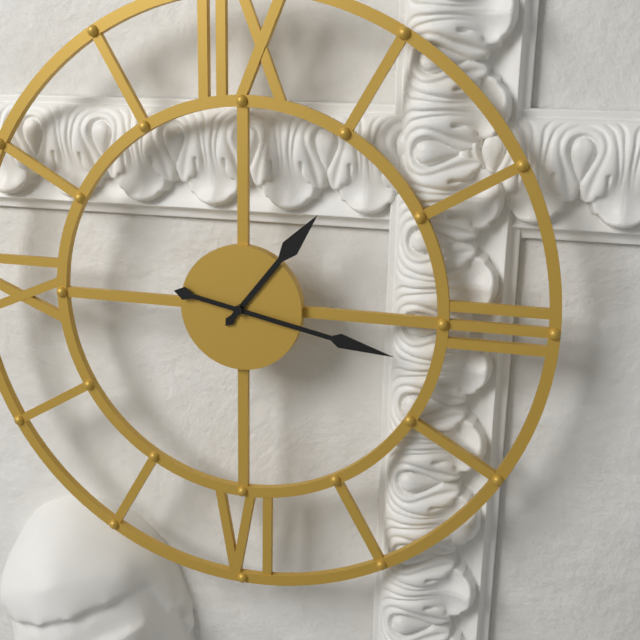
1,17
